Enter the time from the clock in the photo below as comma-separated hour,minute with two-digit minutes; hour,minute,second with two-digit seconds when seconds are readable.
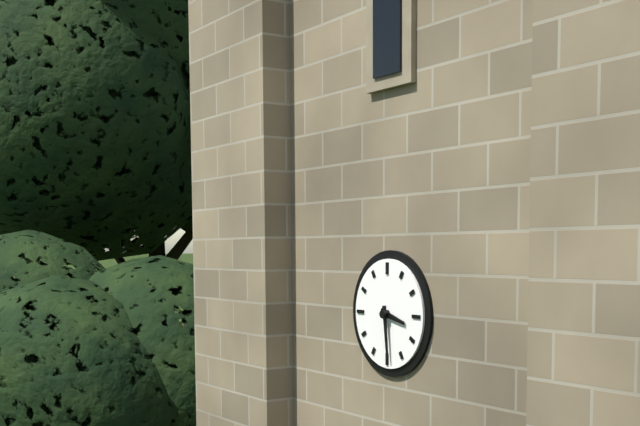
3,29
